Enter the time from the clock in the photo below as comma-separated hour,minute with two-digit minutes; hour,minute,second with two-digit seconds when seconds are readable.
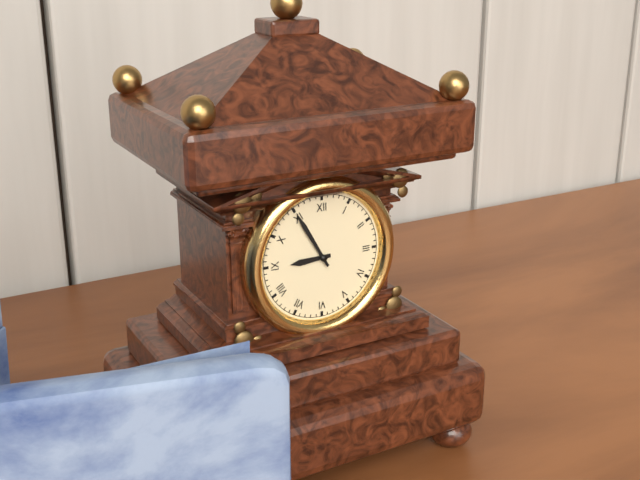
8,55
